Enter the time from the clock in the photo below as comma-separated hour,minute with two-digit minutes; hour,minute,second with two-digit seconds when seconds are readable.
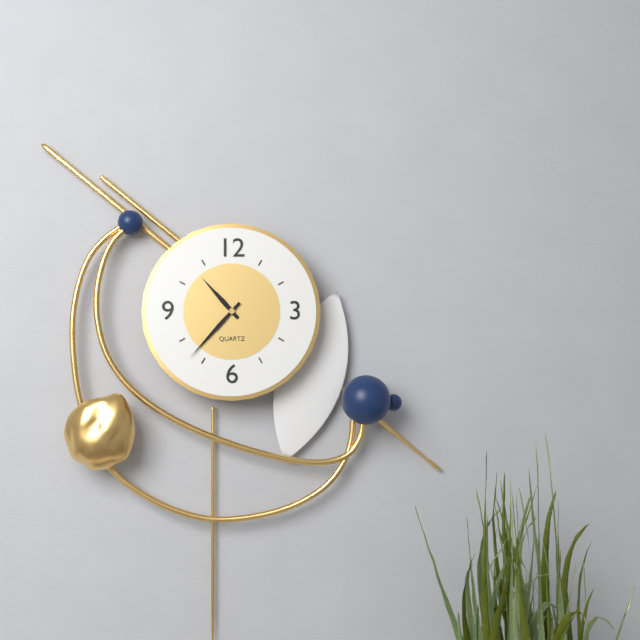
10,37
